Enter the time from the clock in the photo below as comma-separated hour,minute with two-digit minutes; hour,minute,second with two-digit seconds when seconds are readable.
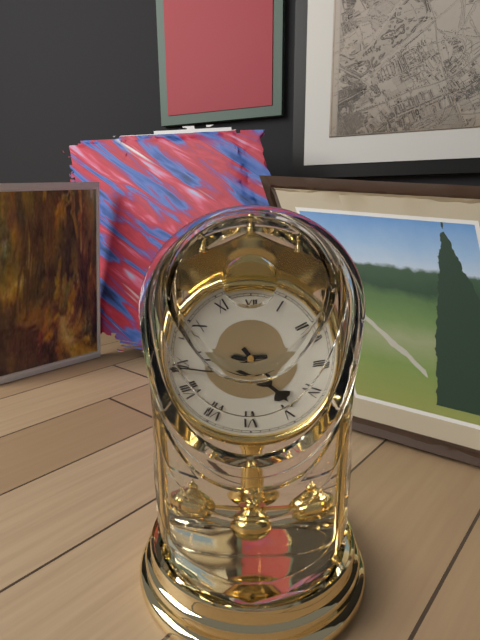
4,44
